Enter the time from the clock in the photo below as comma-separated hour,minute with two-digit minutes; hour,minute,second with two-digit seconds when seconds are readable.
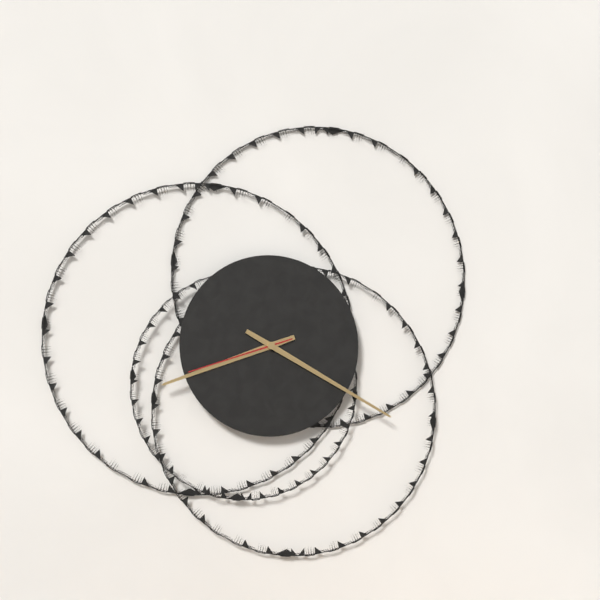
8,20,42
